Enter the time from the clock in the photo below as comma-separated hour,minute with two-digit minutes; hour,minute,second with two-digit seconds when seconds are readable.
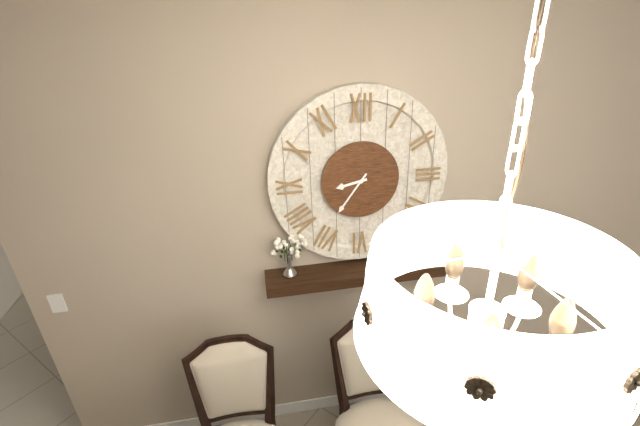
8,36
